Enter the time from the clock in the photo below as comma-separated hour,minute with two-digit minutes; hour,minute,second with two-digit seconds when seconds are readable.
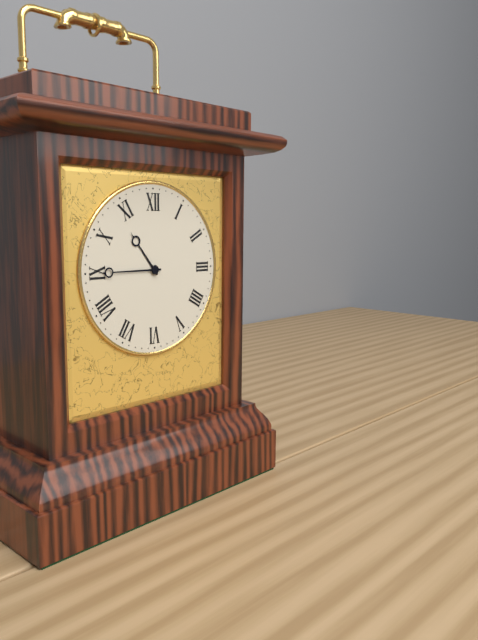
10,45
